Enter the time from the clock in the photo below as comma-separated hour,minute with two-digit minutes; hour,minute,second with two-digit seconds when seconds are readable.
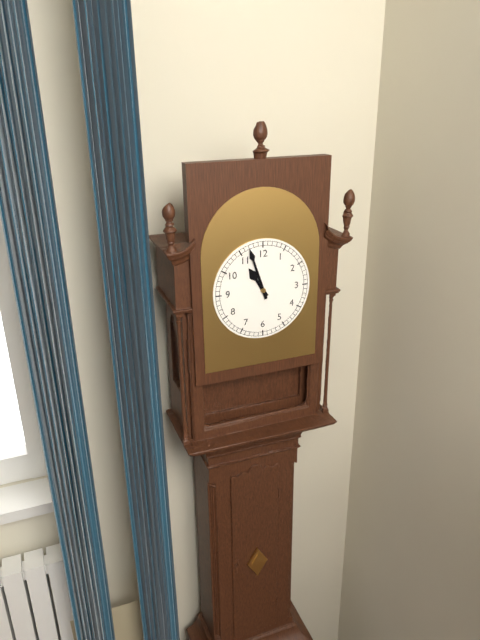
10,57
